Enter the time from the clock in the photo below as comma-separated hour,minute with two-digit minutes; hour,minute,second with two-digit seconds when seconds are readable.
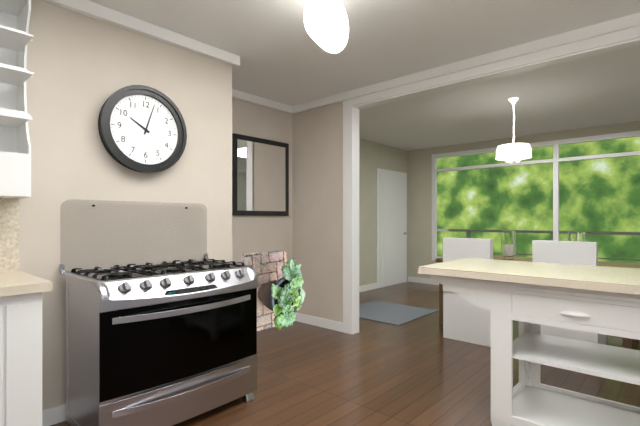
10,03
